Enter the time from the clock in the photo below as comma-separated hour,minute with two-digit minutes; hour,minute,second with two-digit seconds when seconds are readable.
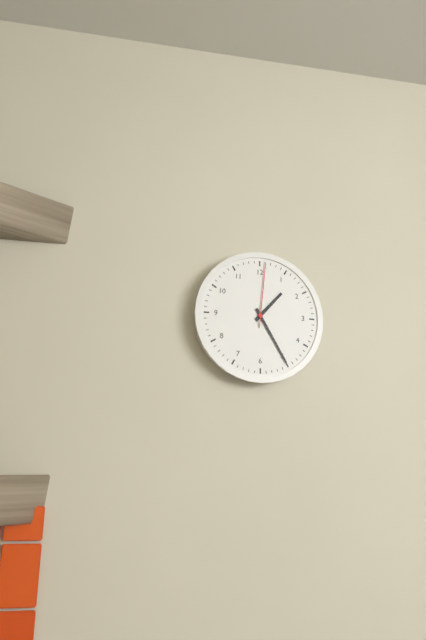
1,25,01
